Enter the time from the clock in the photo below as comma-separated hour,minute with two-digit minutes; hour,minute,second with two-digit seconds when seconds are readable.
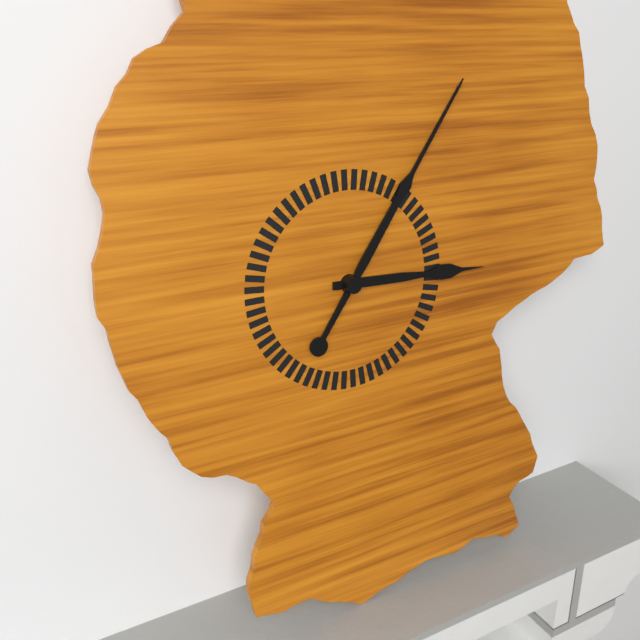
3,06
